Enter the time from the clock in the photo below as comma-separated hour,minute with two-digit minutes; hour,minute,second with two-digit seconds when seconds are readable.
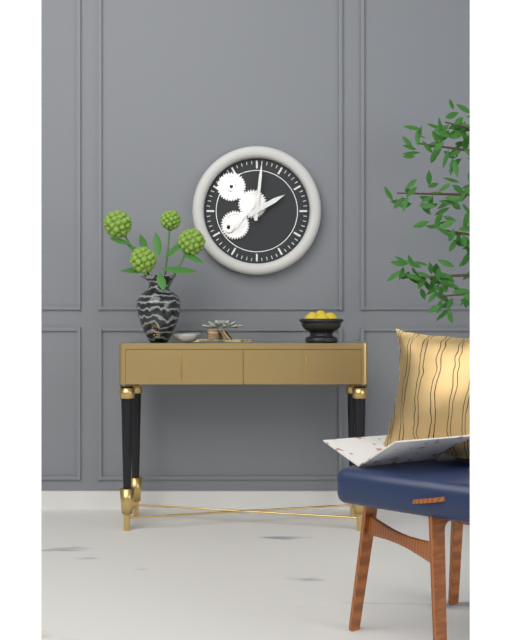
2,01
